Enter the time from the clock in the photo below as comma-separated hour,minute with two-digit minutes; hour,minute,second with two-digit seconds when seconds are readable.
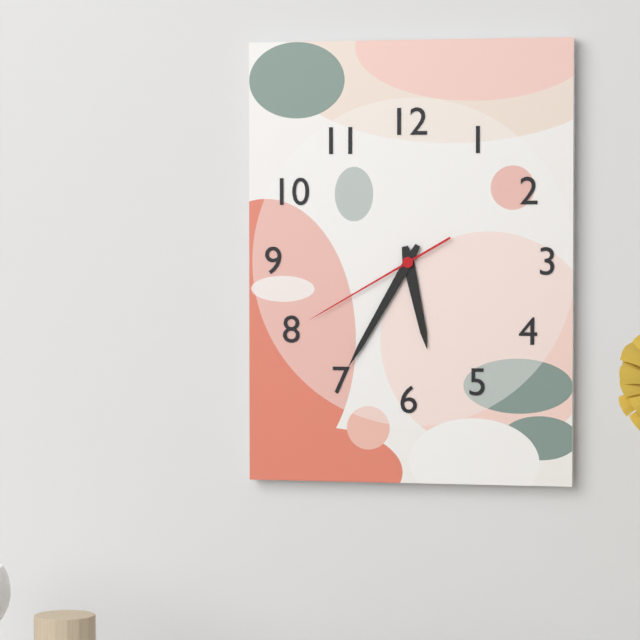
5,35,40
